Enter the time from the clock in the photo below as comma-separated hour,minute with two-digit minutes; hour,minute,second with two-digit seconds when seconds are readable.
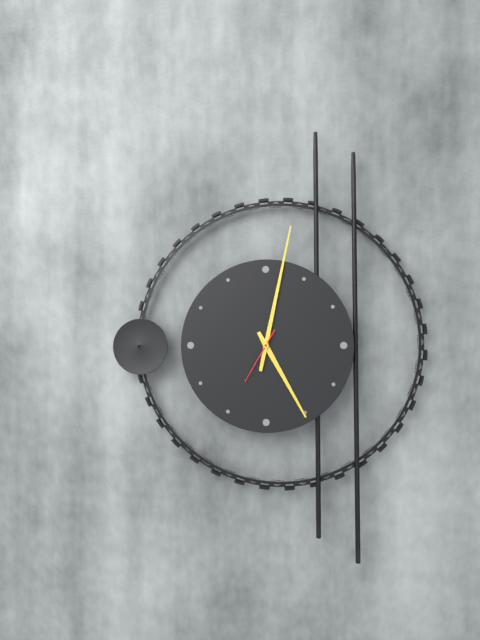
5,02,35
